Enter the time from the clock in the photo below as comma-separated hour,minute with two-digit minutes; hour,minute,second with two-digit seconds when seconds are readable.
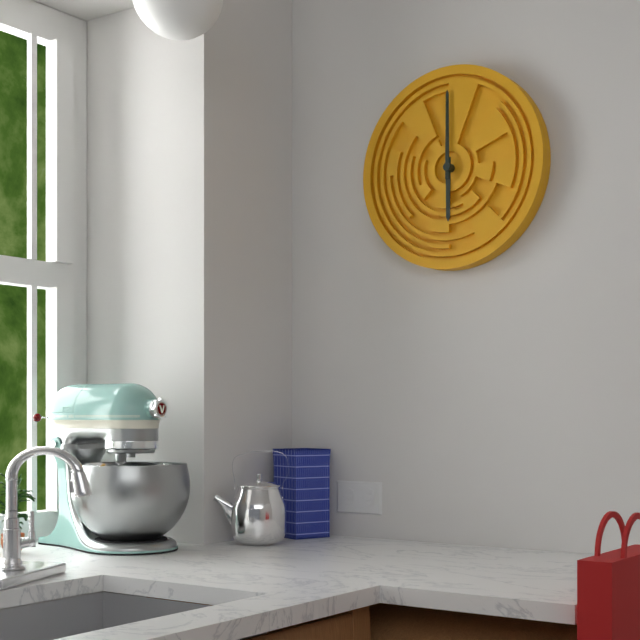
6,00
